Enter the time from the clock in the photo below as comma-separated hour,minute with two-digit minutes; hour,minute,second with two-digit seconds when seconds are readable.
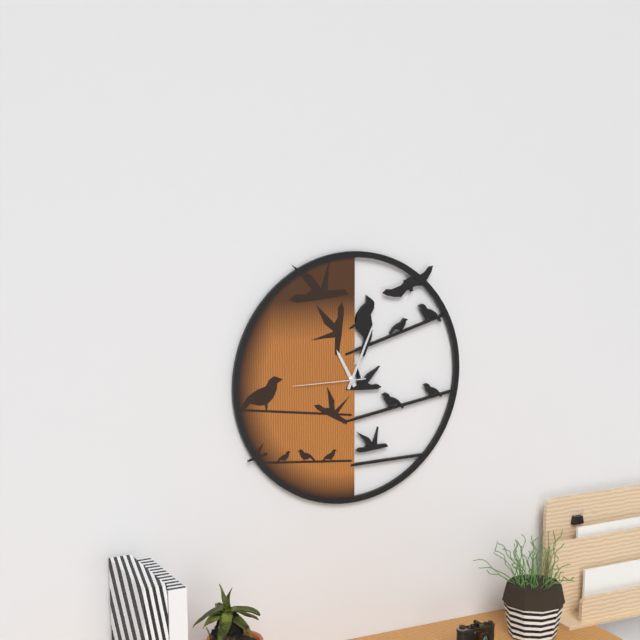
11,04,45
